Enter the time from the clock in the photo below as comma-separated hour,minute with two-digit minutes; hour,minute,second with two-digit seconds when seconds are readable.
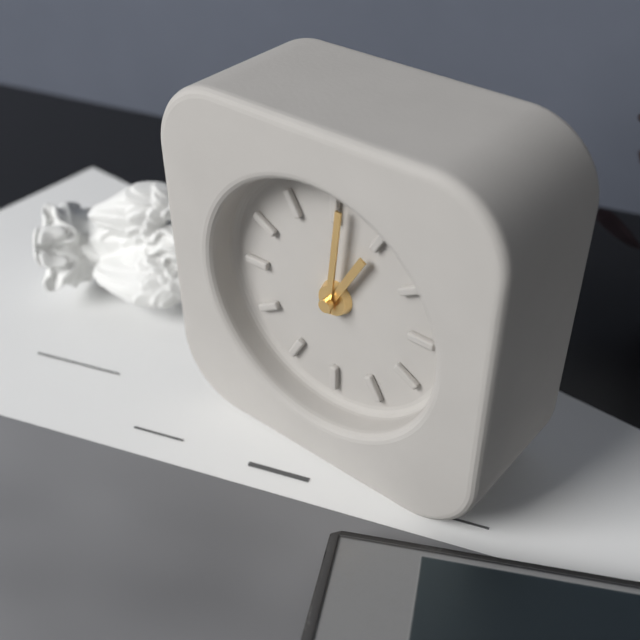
1,01
